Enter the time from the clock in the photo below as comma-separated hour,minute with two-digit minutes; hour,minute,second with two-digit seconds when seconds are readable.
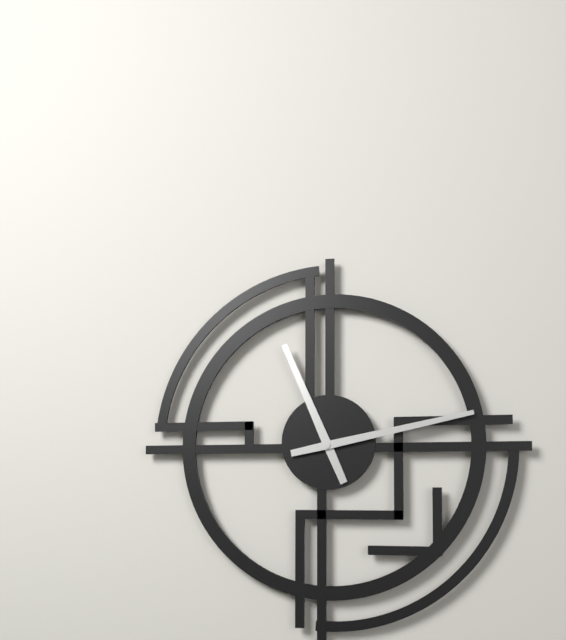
11,13
